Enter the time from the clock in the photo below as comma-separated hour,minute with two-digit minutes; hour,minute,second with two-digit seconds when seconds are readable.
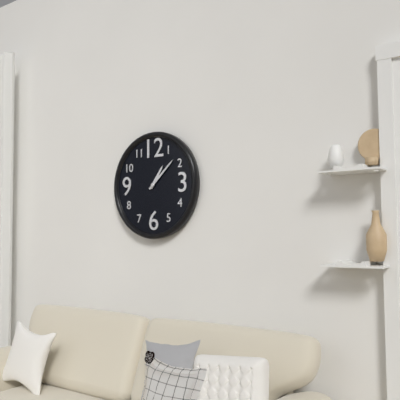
1,08
